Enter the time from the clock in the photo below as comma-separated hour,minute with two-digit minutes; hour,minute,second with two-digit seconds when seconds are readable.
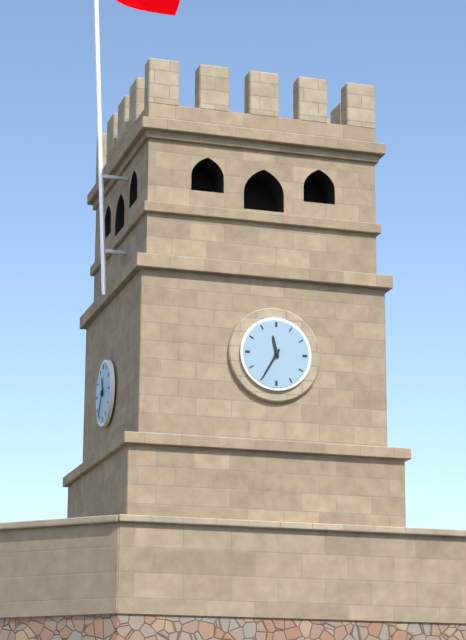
11,35
